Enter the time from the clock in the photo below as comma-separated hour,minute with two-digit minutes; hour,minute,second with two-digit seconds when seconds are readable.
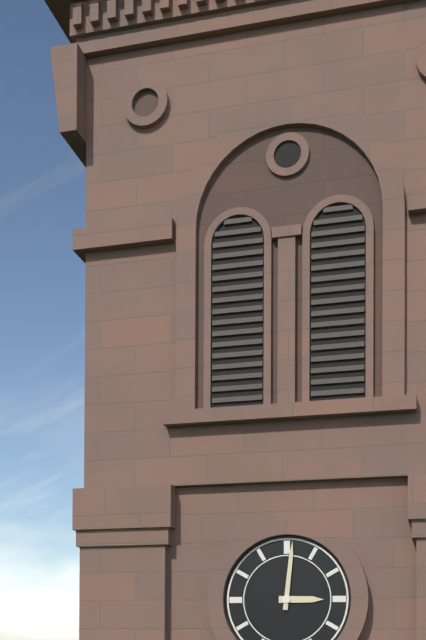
3,01
